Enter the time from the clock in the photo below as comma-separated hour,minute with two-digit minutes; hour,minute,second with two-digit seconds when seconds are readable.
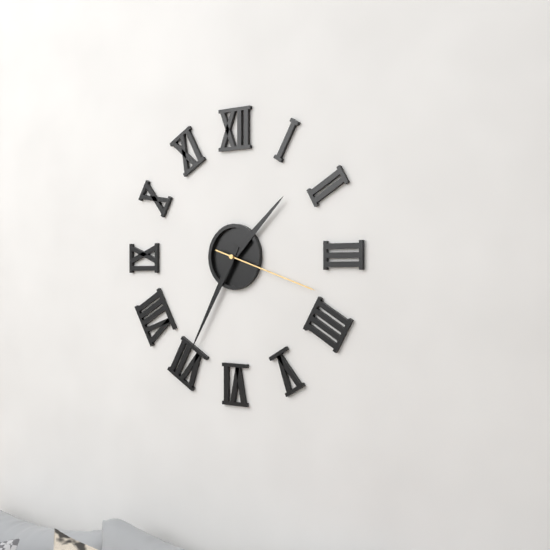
1,35,18
